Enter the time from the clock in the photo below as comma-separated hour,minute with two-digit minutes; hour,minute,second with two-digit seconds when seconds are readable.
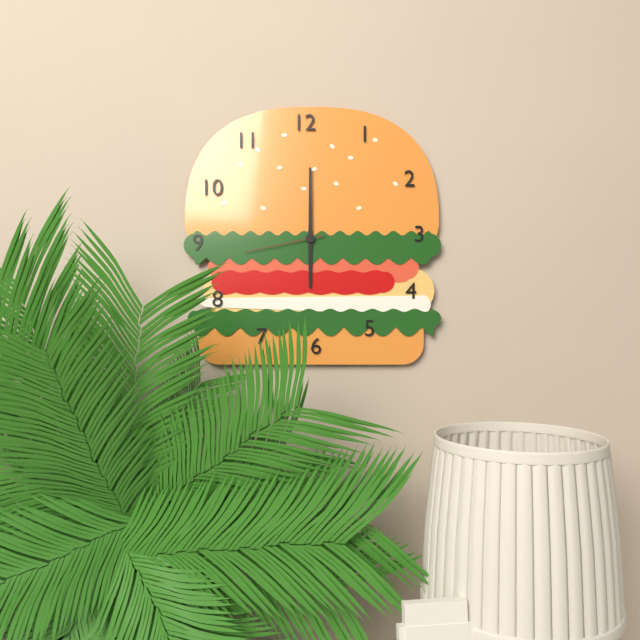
6,00,43
